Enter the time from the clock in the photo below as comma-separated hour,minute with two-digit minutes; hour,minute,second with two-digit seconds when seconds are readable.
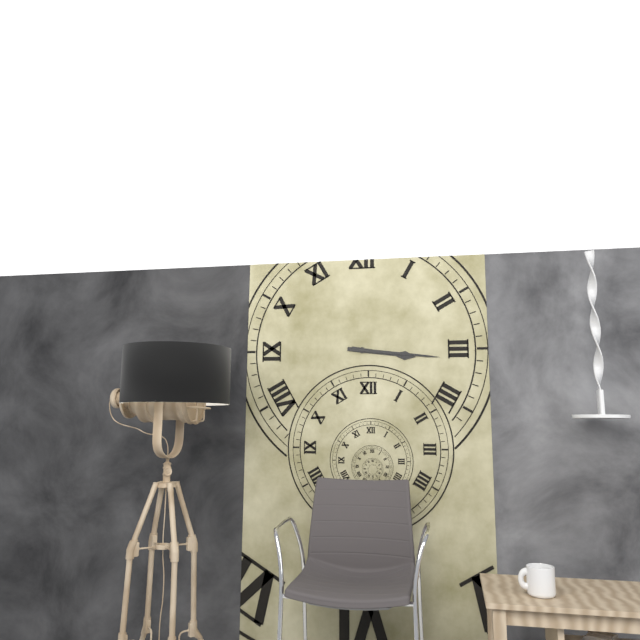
3,16
